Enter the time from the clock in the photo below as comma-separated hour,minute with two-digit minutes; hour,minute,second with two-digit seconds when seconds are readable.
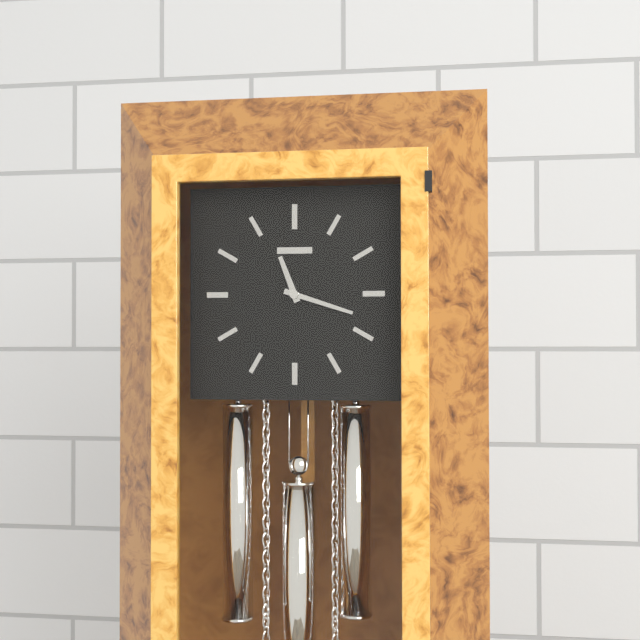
11,18
